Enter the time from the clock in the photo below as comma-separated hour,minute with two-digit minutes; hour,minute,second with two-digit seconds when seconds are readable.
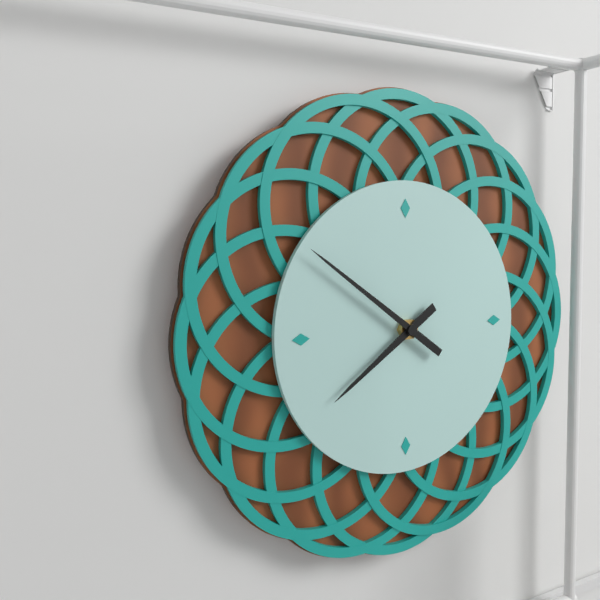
7,51
